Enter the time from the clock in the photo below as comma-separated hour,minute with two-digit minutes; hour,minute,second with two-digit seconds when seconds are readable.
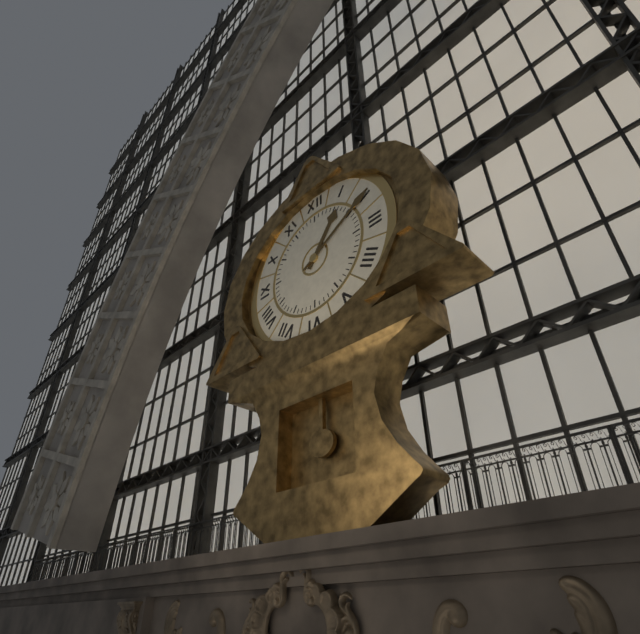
1,10
